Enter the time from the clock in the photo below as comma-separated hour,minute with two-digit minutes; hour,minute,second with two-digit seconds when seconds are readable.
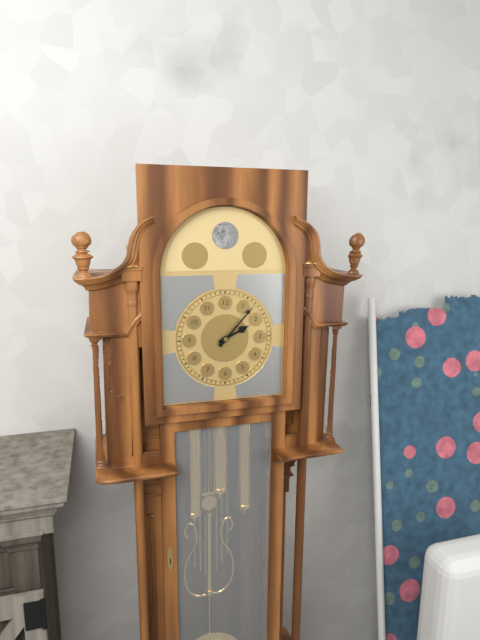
2,07
